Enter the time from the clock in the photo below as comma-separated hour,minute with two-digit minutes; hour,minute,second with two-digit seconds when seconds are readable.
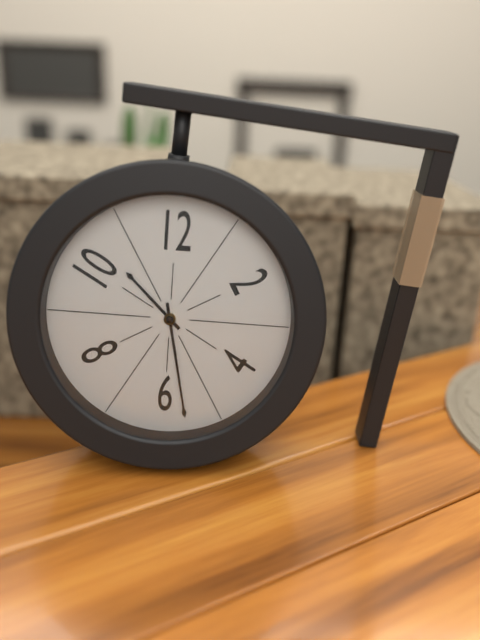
10,28
